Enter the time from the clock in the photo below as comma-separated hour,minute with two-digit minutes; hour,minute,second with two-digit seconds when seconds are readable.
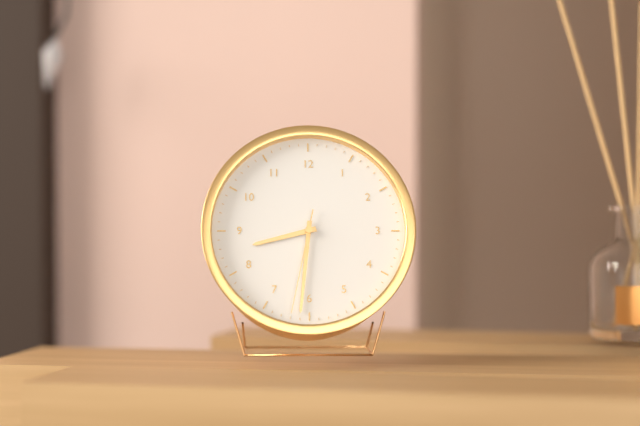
8,31,32
